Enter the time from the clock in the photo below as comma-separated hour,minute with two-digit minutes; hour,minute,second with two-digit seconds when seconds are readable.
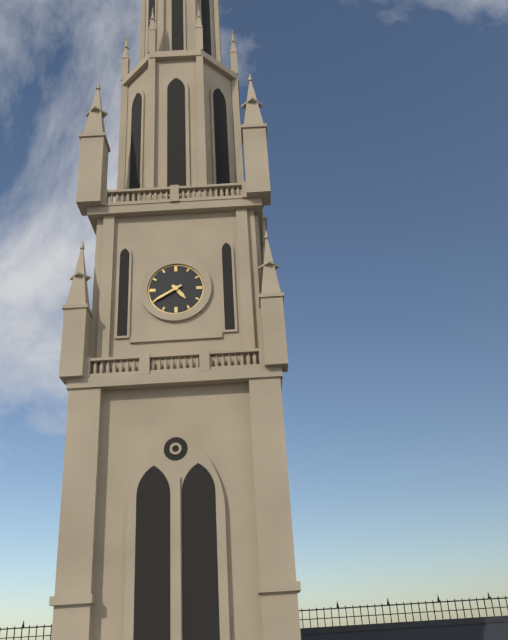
4,40
